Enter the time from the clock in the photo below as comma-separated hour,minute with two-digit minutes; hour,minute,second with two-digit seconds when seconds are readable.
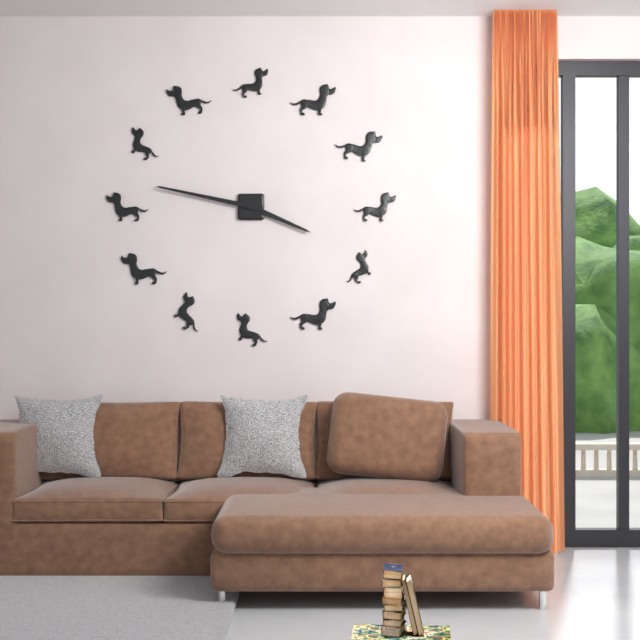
3,47
